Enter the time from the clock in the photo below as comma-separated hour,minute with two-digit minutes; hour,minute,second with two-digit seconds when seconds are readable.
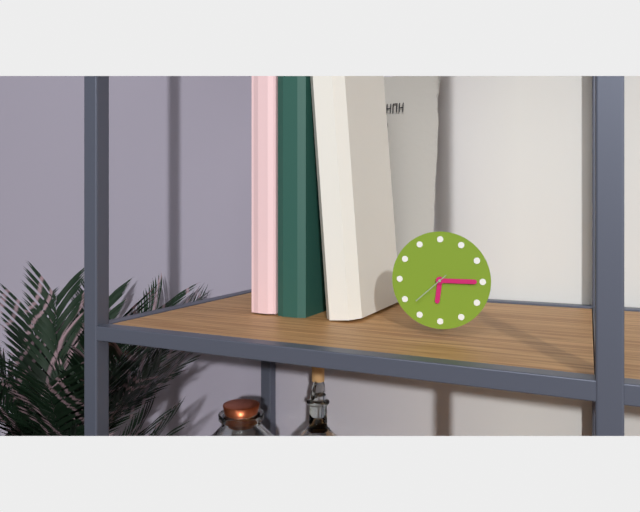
6,15
